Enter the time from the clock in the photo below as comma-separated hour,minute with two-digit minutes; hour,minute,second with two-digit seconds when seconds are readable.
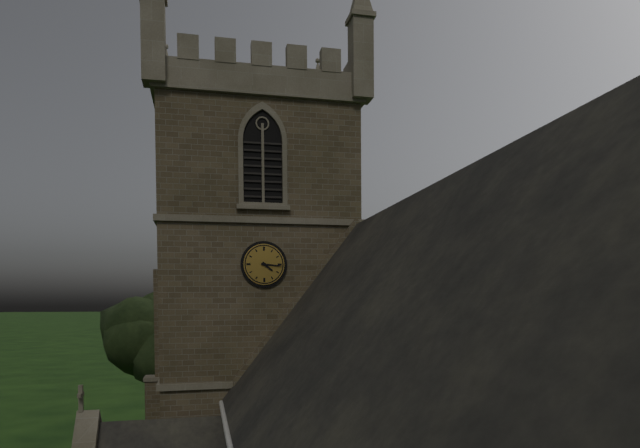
4,16
